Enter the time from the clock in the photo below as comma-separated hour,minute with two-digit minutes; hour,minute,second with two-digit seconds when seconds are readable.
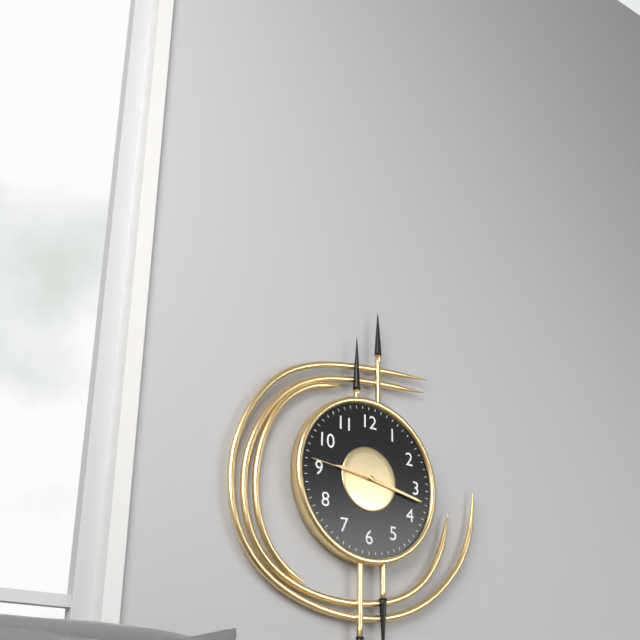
9,17,46
